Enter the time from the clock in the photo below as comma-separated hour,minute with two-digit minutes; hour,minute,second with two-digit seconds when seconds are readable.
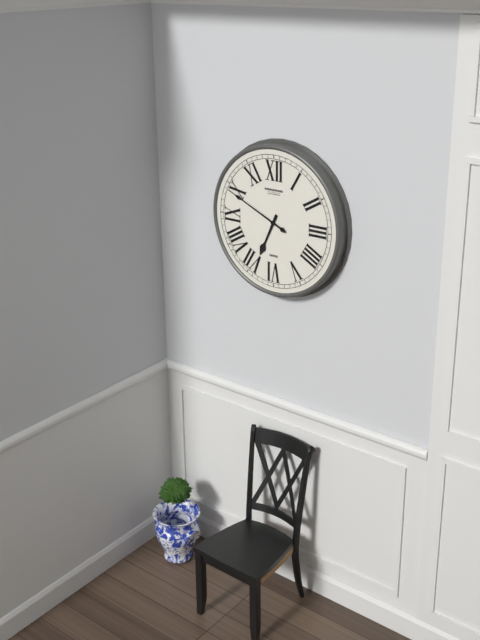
6,49
